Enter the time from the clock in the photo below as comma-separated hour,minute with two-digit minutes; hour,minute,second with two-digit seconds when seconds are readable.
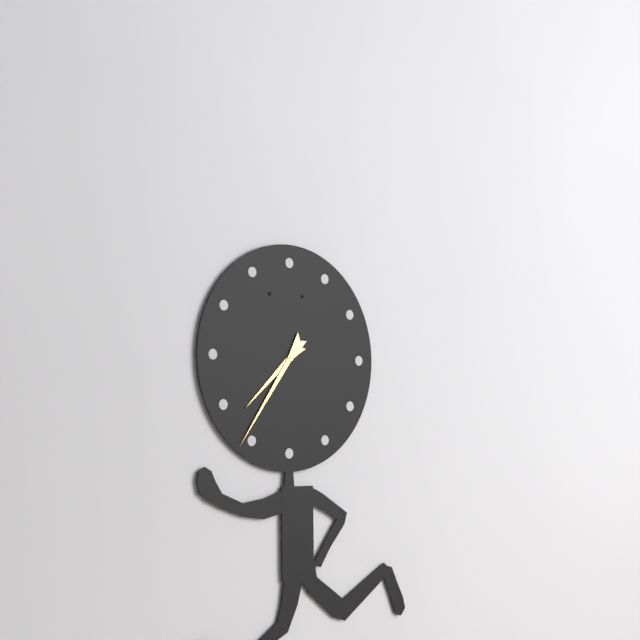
7,36
